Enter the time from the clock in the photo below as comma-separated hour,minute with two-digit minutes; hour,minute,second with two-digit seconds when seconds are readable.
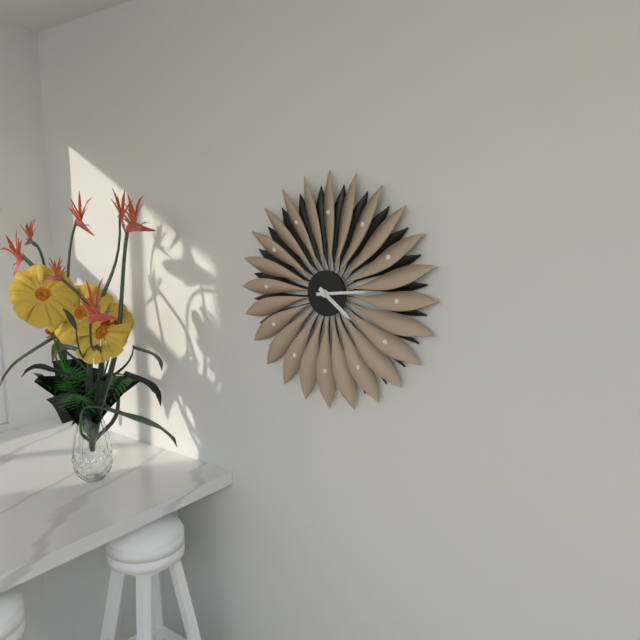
4,14
